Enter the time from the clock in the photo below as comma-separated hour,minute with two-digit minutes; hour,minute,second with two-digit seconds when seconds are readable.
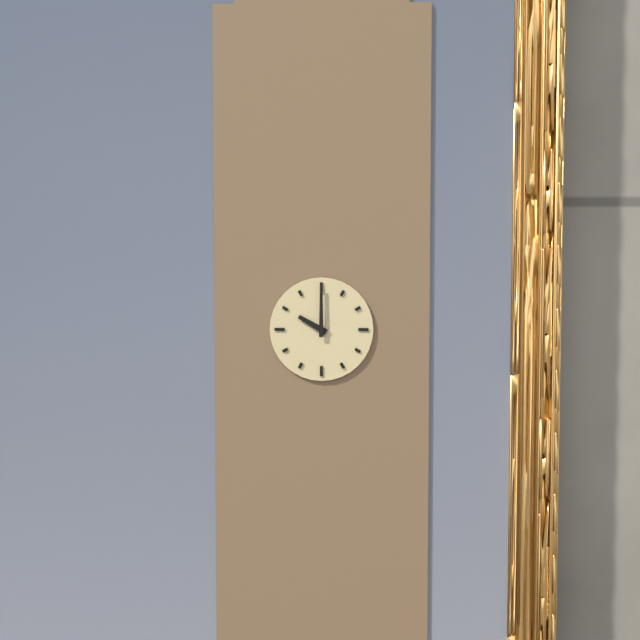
10,00
